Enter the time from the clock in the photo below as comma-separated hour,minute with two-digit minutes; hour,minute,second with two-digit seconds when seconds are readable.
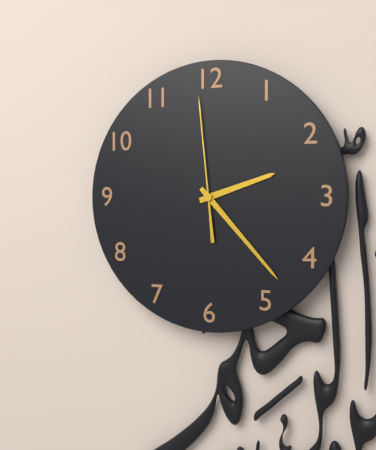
2,23,59
